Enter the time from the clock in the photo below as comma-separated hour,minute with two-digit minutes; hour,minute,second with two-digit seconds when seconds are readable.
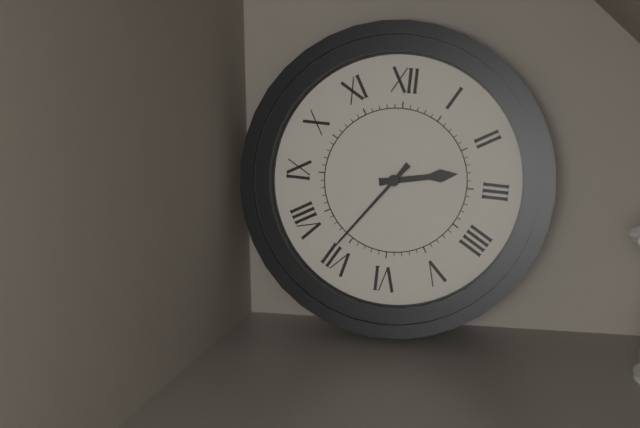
2,36
